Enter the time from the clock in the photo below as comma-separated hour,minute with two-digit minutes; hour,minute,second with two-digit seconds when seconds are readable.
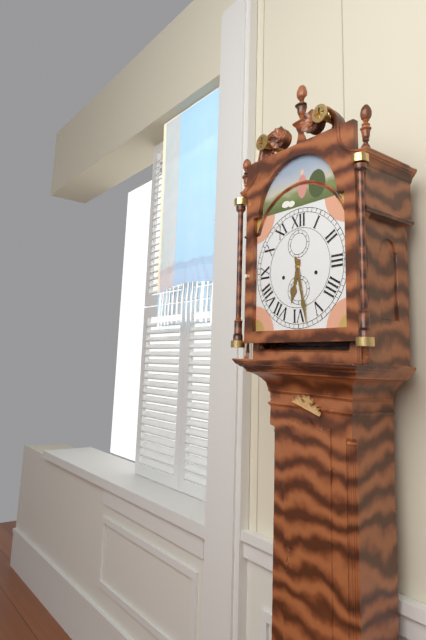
6,28
